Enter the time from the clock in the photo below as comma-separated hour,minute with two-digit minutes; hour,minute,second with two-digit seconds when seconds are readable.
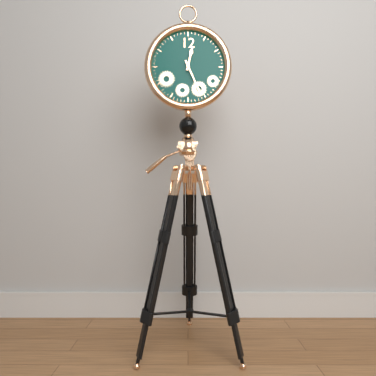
12,26
